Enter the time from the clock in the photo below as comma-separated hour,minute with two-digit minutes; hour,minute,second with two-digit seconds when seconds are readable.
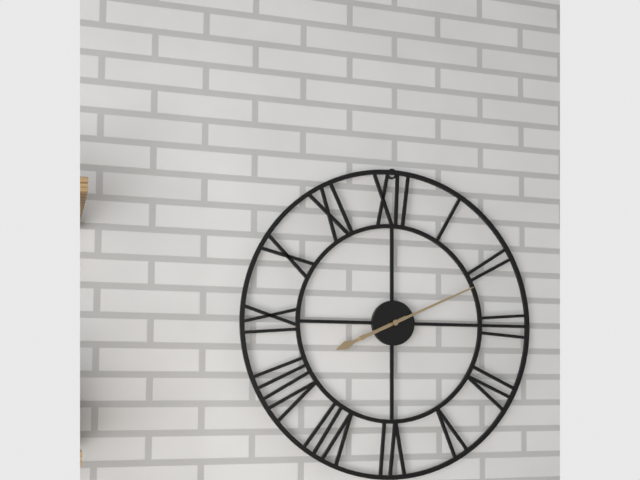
8,11
